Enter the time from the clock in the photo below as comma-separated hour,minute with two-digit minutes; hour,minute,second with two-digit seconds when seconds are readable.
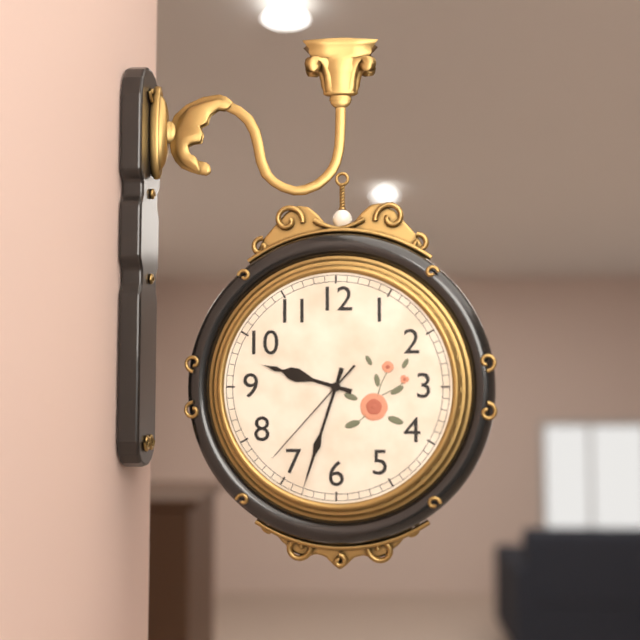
9,33,37
